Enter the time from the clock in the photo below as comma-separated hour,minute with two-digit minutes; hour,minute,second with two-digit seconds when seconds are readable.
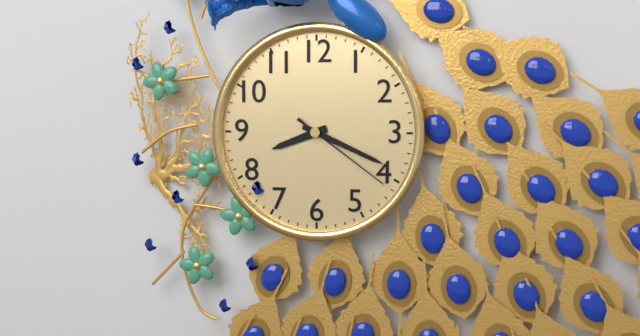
8,19,21
